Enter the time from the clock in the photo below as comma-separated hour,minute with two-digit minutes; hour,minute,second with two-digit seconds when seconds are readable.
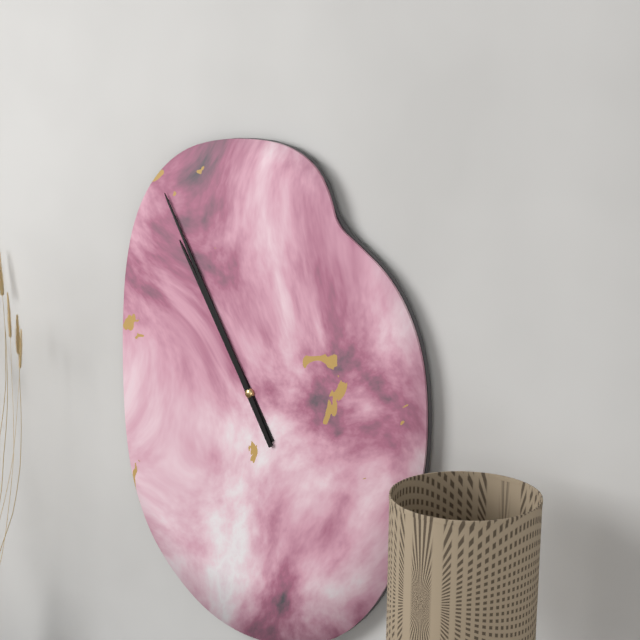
10,55
